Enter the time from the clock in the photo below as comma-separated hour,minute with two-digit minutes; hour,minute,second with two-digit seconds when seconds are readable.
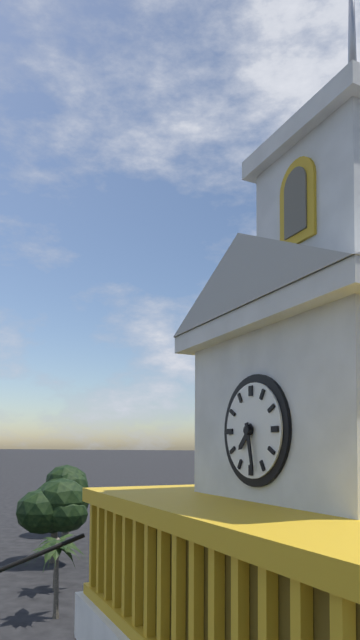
7,28
